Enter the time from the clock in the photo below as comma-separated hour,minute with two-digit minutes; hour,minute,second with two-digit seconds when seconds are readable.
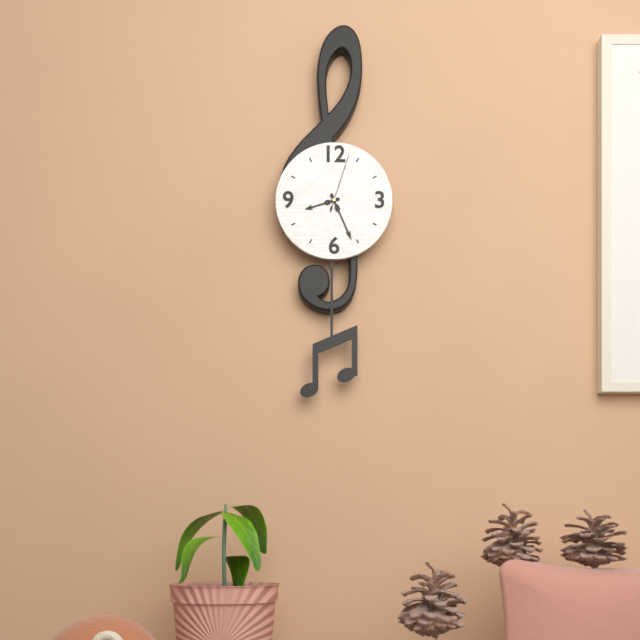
8,26,03
